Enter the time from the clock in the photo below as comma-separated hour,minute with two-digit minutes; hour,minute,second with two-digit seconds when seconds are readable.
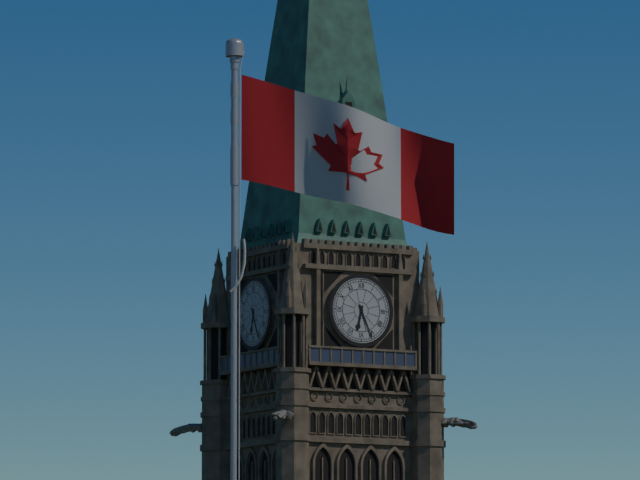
6,26
